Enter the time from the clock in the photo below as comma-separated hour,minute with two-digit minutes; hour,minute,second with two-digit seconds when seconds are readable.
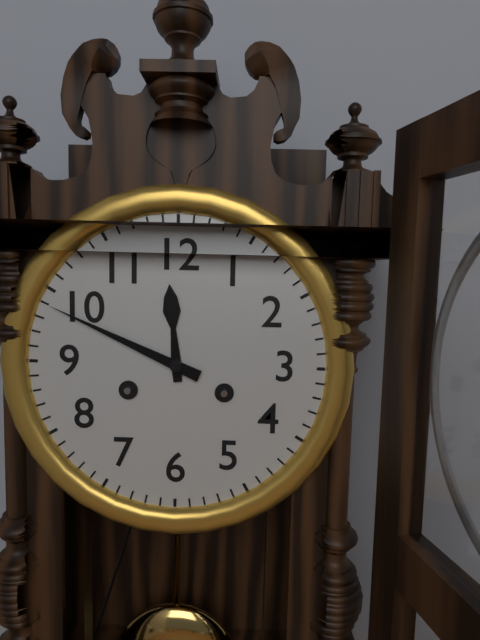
11,49
